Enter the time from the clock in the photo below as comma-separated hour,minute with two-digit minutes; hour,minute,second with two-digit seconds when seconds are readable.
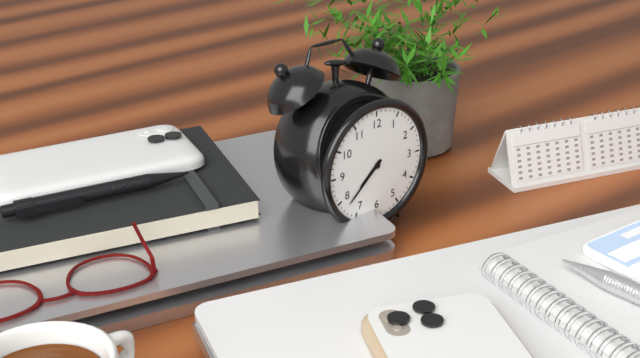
7,38
